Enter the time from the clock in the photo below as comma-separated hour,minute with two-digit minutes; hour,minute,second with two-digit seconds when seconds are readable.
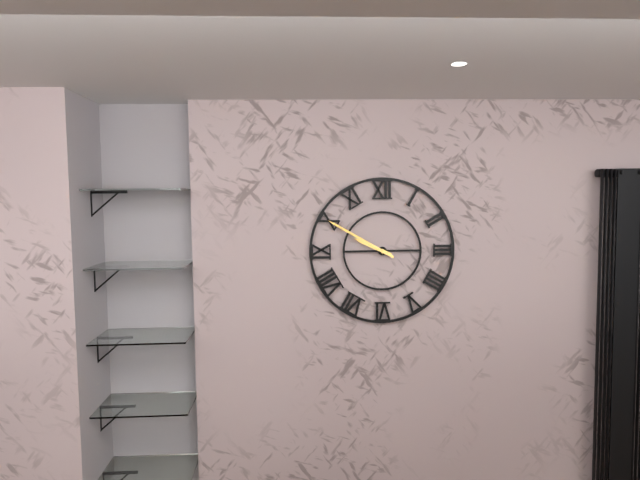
9,50
